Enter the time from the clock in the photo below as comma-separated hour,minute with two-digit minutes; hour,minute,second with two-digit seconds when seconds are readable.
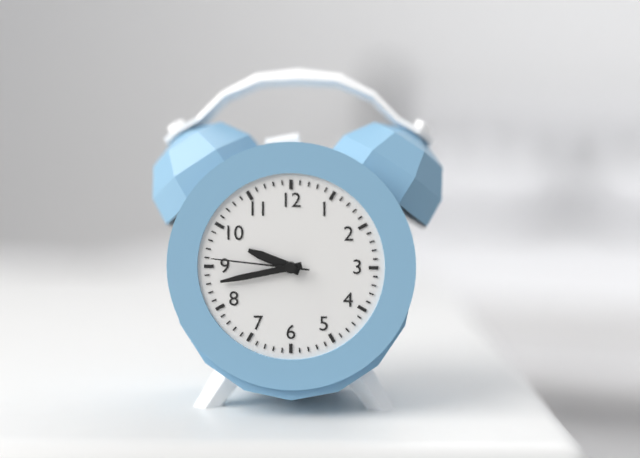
9,43,46
